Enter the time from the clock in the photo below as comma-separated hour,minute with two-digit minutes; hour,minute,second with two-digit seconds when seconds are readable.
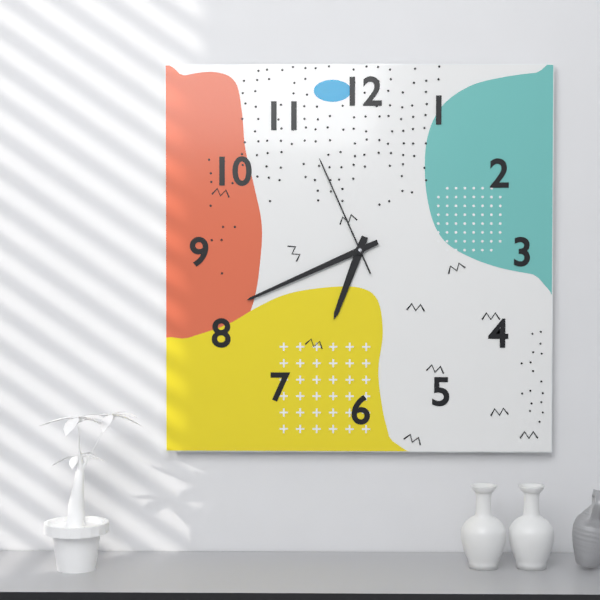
6,41,56
